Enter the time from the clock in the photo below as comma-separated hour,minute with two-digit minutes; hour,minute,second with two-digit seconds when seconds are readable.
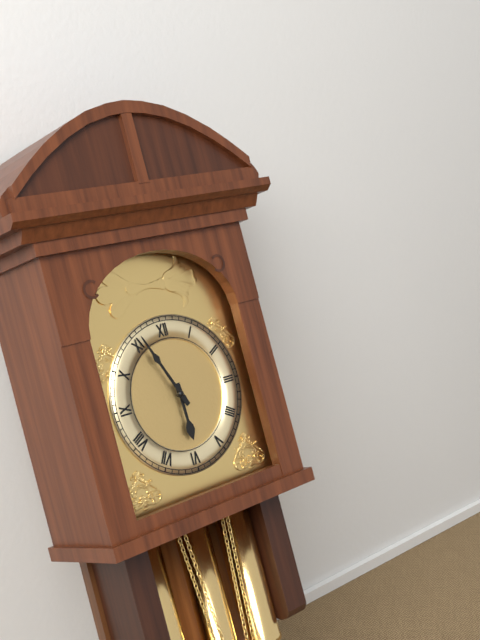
5,56
